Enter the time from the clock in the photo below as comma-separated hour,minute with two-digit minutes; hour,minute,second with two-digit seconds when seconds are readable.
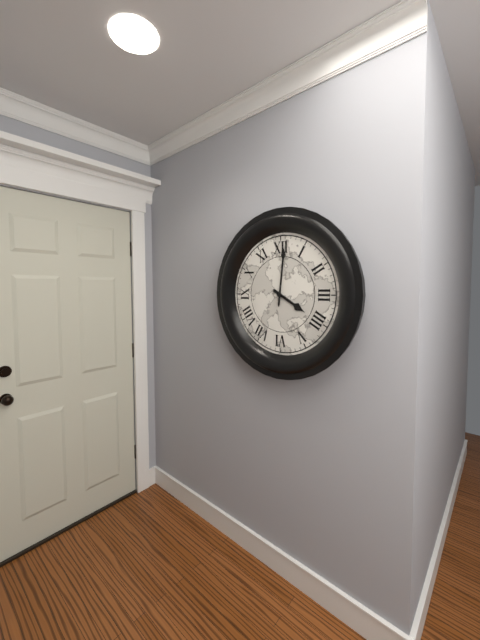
4,01
